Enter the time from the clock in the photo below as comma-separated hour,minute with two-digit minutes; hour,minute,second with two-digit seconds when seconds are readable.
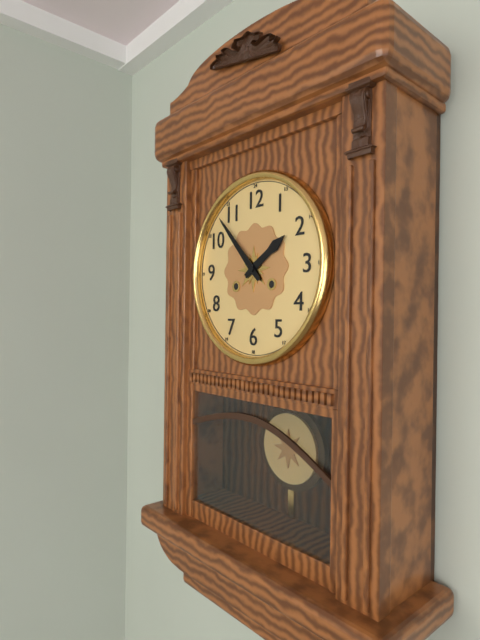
1,53
